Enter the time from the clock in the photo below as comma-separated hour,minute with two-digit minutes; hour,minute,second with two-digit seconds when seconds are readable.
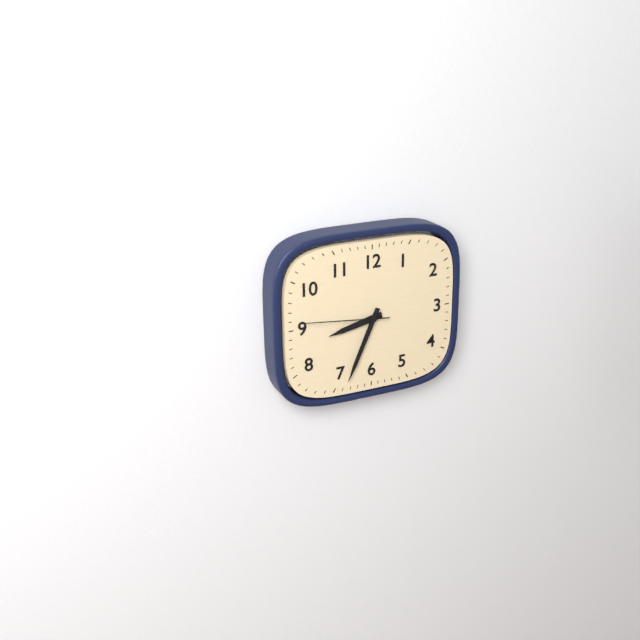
8,34,46
